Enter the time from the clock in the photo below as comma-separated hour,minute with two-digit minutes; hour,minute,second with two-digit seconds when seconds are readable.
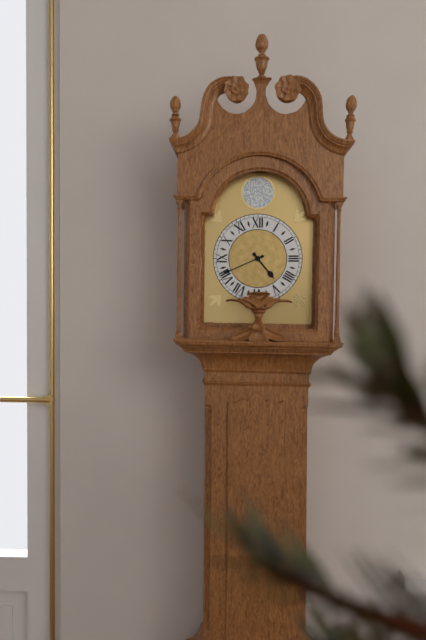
4,41
